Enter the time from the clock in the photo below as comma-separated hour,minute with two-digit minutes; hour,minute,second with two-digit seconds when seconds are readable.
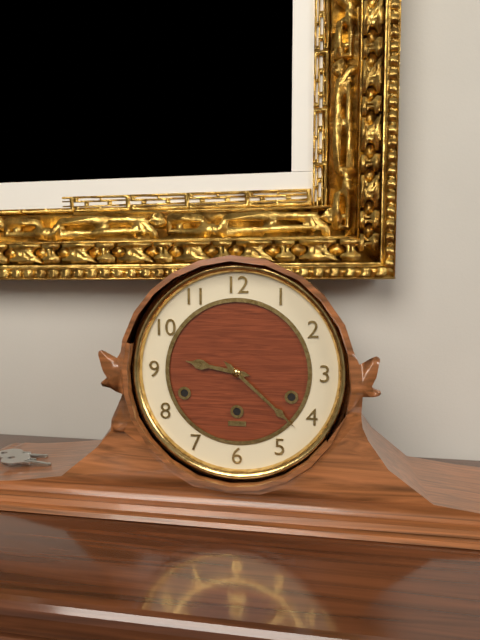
9,22
